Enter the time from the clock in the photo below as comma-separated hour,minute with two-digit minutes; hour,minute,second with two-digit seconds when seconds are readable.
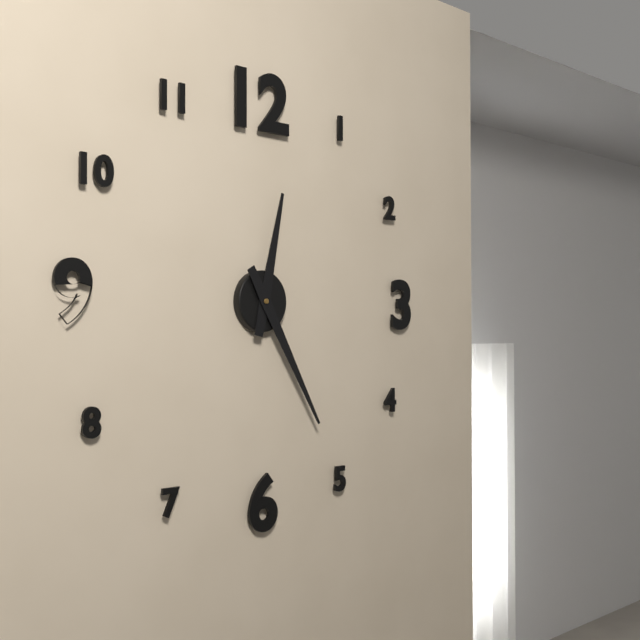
12,25
